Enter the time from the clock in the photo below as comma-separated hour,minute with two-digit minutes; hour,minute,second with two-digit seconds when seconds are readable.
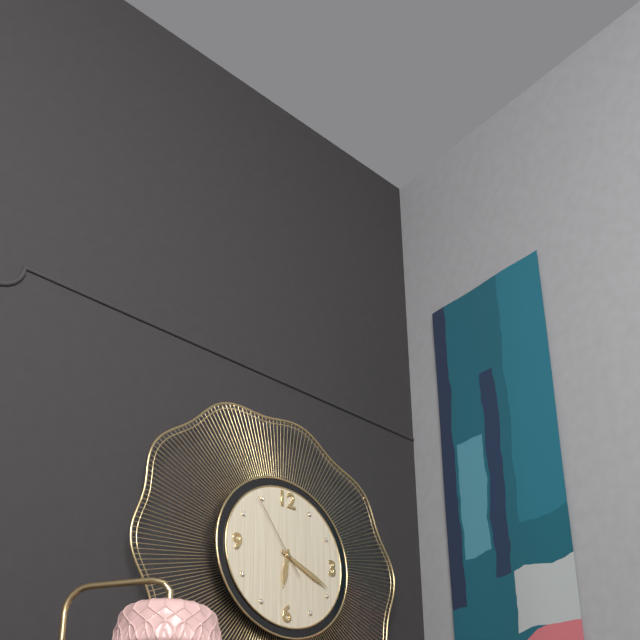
6,19,54
